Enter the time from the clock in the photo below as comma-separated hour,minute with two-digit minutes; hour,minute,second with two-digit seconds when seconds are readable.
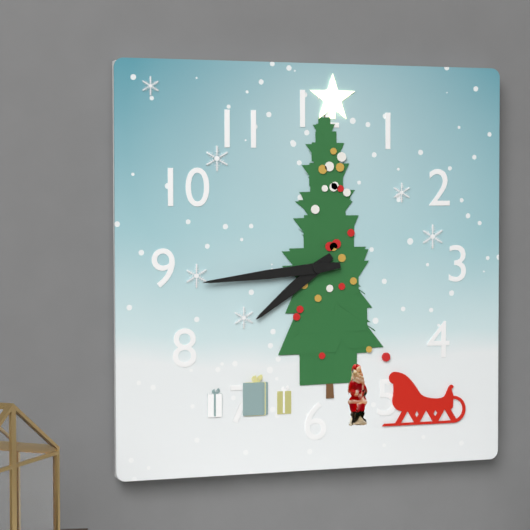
7,44
